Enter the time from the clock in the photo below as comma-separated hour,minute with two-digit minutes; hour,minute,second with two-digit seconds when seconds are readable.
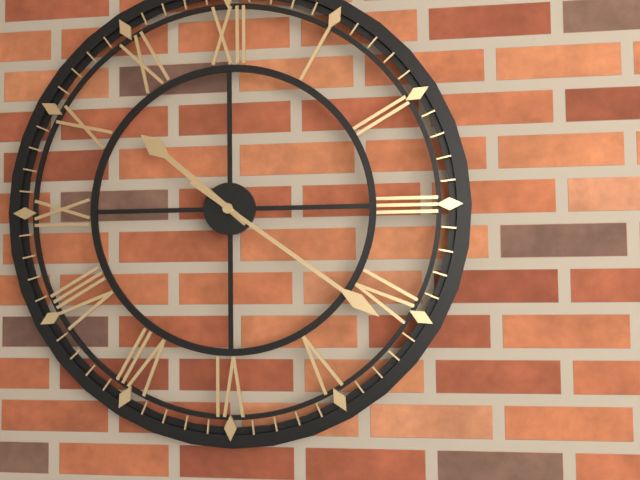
10,21
